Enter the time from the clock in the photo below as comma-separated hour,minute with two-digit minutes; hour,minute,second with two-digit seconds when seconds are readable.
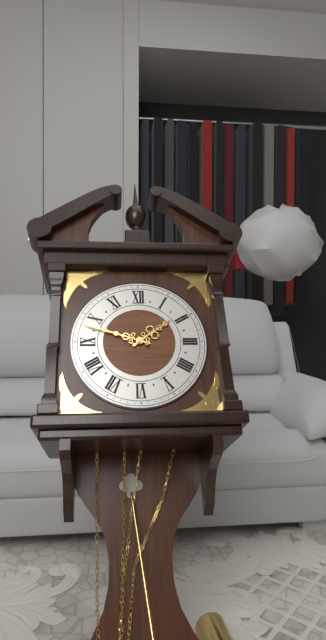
1,48
